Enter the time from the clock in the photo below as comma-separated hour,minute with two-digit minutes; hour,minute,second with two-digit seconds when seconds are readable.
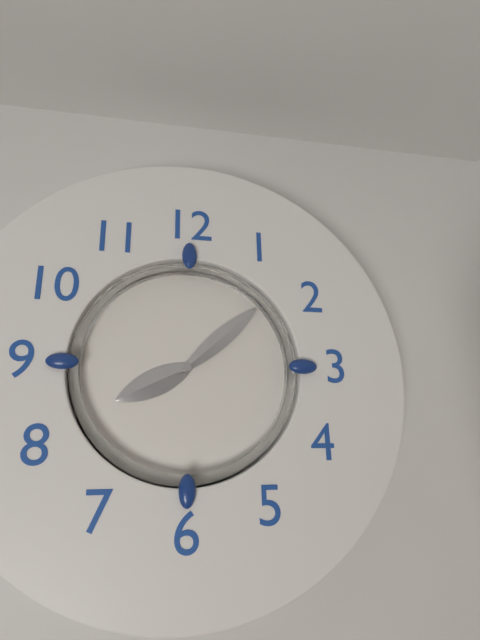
8,08
